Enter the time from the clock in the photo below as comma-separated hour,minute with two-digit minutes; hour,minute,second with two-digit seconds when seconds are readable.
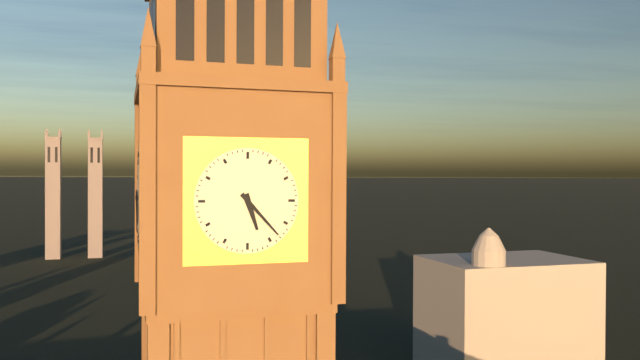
5,23
